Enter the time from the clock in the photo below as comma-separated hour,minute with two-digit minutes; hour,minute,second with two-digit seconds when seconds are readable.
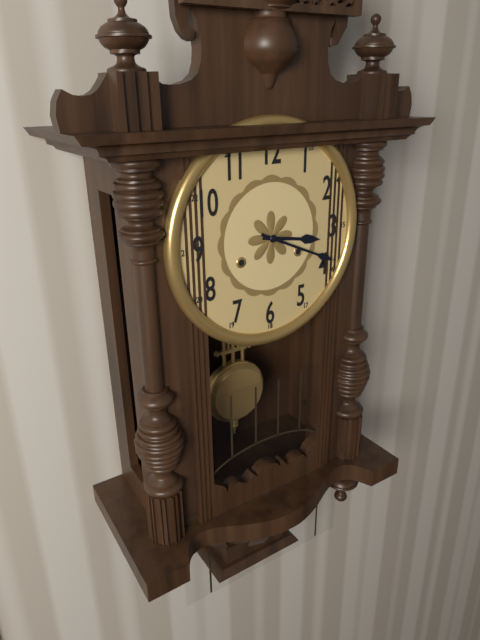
3,19
